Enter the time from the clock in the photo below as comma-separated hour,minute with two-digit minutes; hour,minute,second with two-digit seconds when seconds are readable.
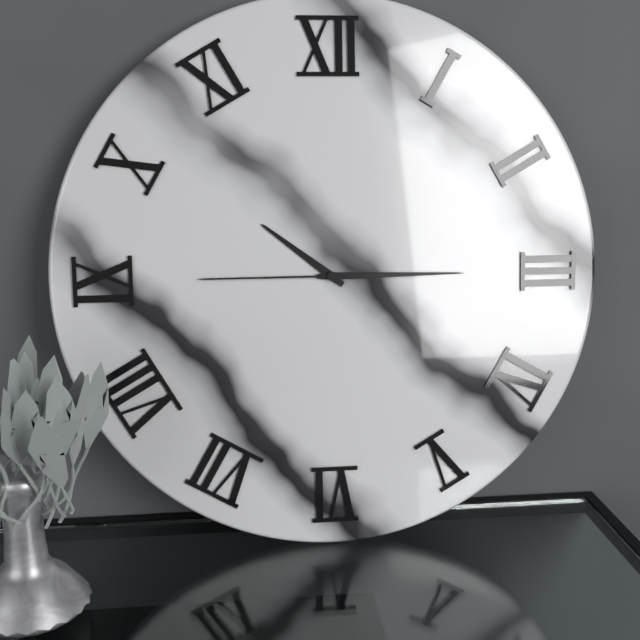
10,15,45
